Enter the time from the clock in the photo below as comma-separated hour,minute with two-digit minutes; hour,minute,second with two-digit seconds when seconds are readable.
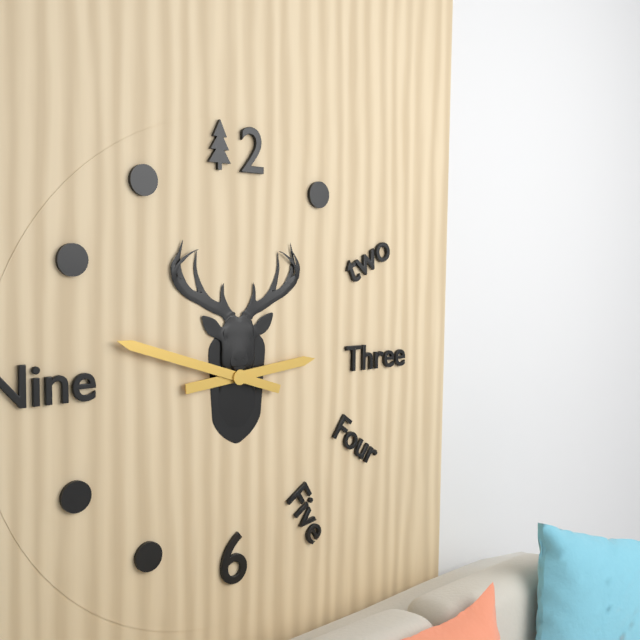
2,48
